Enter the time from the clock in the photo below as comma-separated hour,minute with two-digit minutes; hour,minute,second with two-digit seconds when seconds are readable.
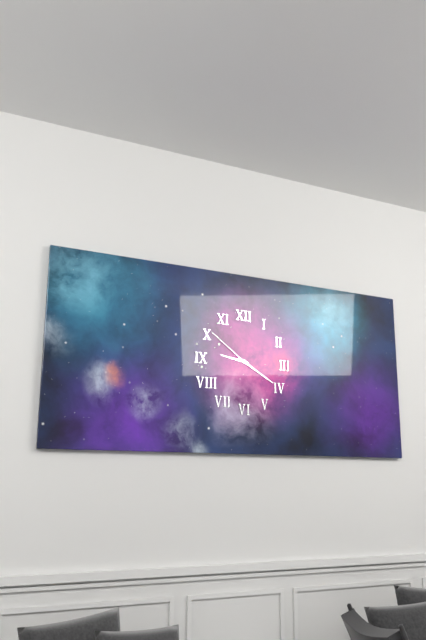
9,20,51
